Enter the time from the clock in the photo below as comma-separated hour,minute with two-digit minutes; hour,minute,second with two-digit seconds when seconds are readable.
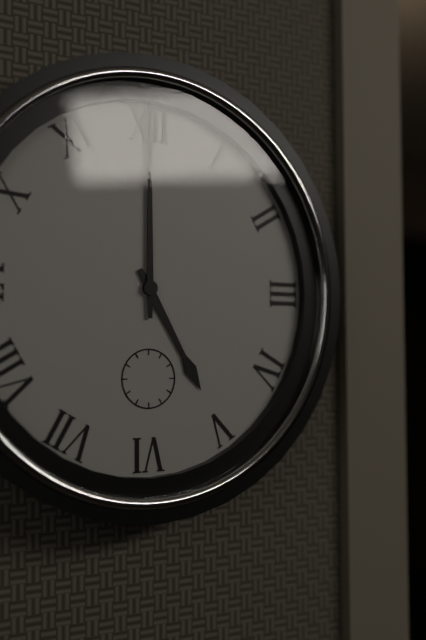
5,00
